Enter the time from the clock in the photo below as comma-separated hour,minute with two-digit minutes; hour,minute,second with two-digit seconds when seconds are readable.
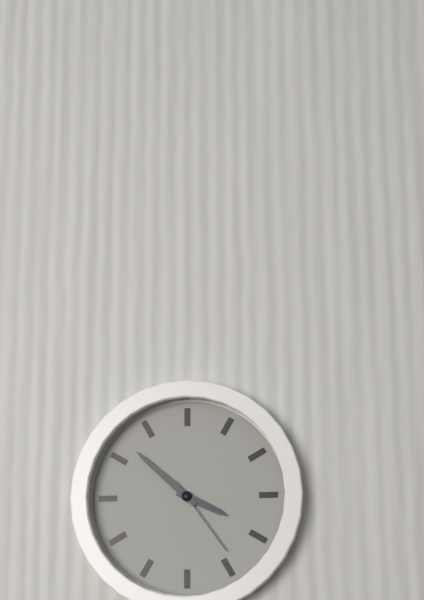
3,52,24
